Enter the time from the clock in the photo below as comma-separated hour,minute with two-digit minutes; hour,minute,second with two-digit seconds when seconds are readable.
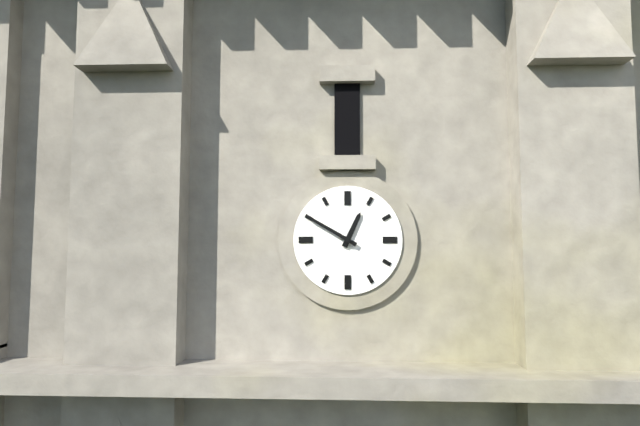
12,50
